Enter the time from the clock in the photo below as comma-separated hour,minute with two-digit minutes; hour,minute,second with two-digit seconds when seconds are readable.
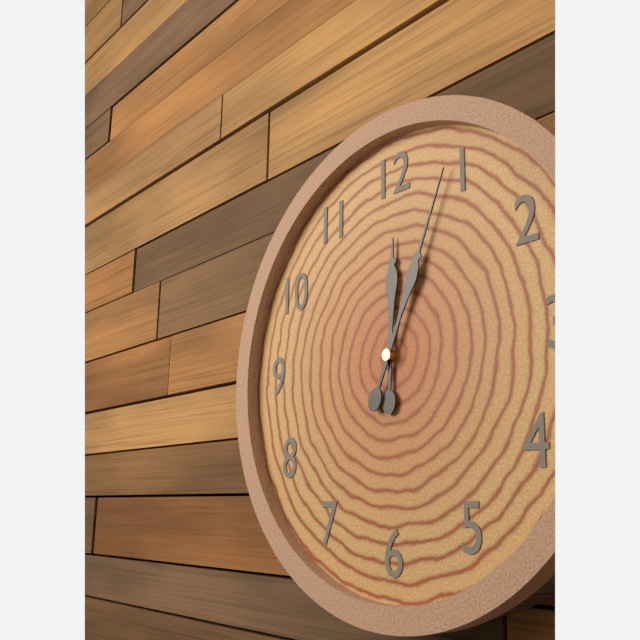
12,04
